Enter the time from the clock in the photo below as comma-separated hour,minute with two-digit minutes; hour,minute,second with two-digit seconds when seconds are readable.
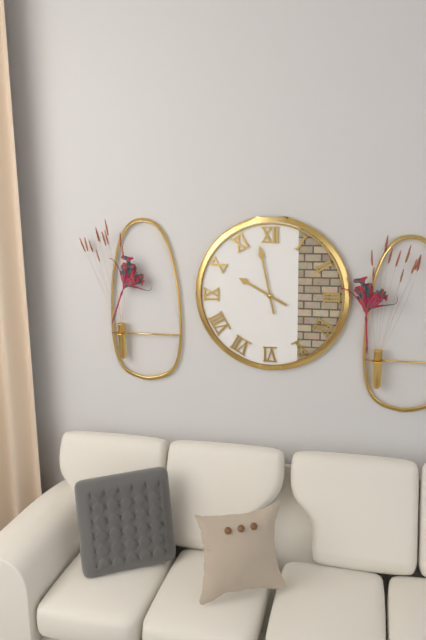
9,58
